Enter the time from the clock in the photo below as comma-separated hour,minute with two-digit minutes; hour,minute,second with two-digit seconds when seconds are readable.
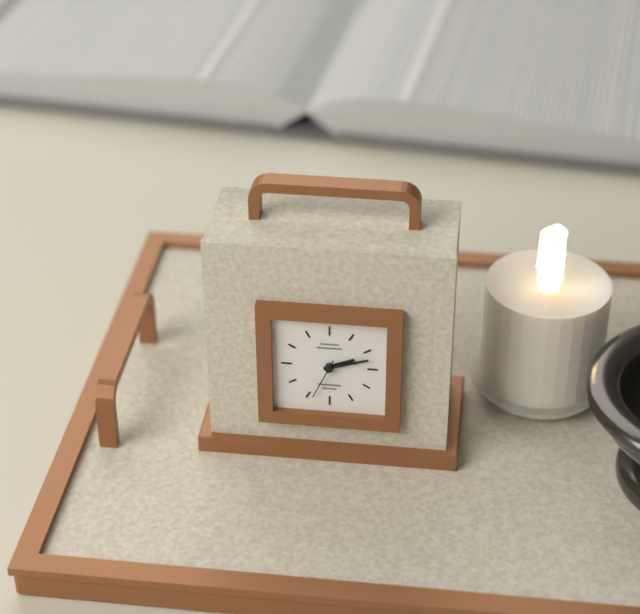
2,12
